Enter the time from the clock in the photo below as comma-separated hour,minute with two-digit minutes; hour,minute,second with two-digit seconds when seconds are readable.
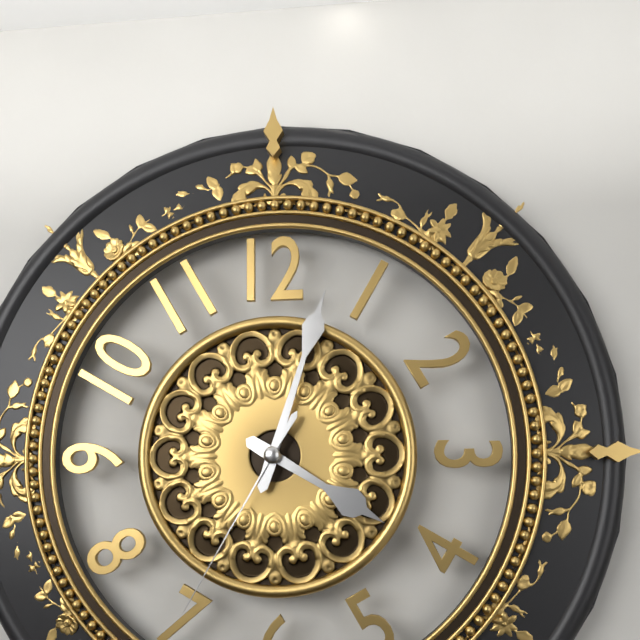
4,03,35
